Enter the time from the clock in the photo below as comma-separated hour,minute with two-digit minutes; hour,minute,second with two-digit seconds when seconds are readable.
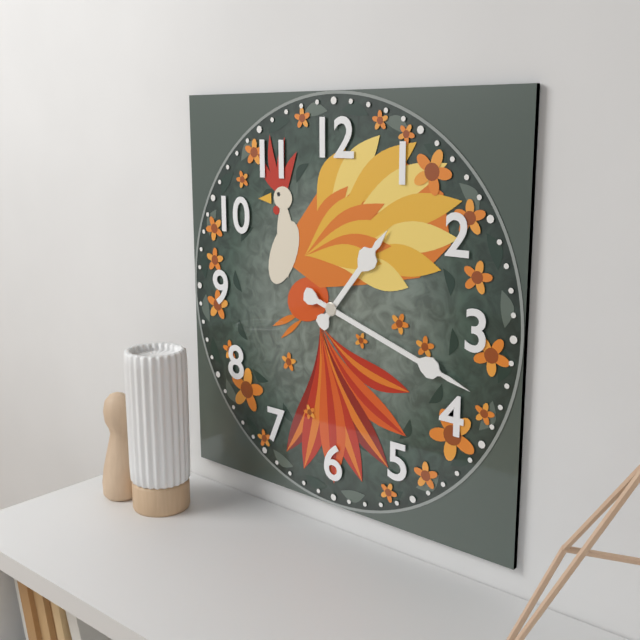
1,18
